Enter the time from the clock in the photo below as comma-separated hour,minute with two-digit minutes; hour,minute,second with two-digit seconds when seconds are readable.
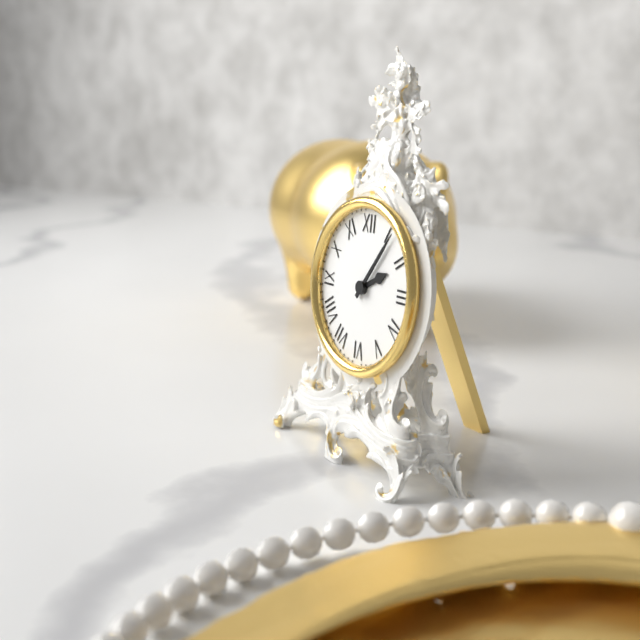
2,06
